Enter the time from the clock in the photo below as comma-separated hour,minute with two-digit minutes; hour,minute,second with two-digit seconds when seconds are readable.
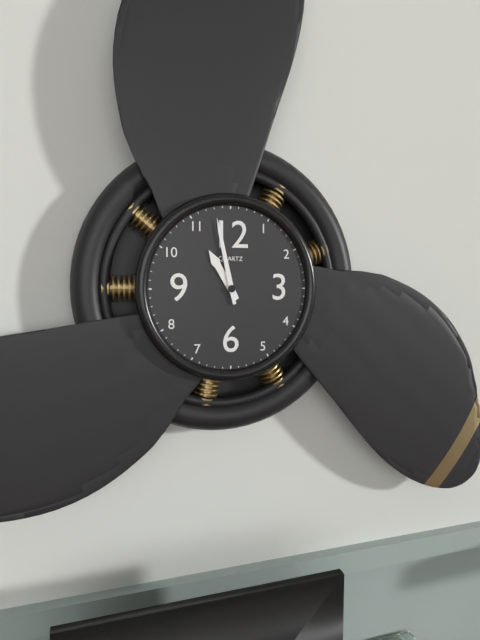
10,58
